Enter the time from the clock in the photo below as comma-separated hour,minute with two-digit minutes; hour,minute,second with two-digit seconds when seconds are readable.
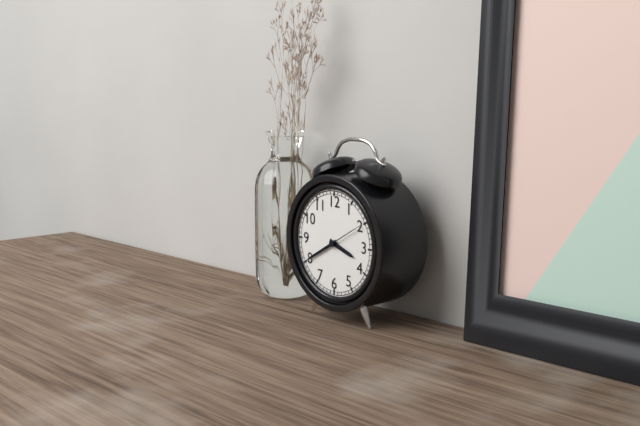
3,40
